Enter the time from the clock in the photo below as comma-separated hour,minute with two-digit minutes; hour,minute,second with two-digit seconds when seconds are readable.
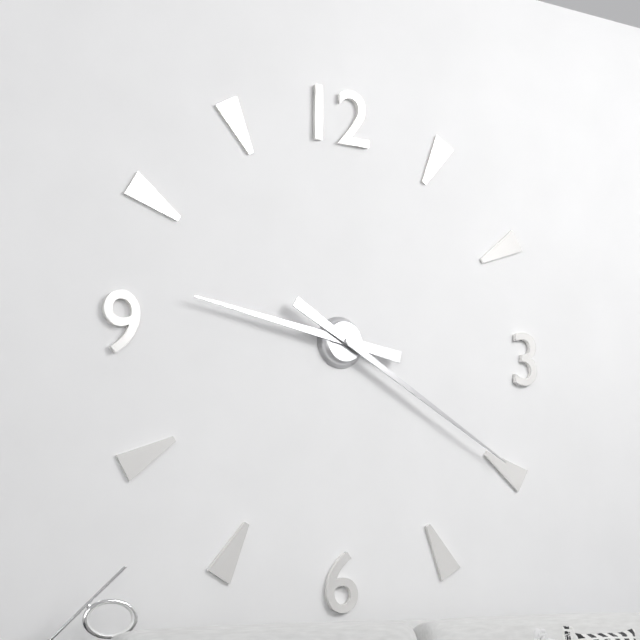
9,20
